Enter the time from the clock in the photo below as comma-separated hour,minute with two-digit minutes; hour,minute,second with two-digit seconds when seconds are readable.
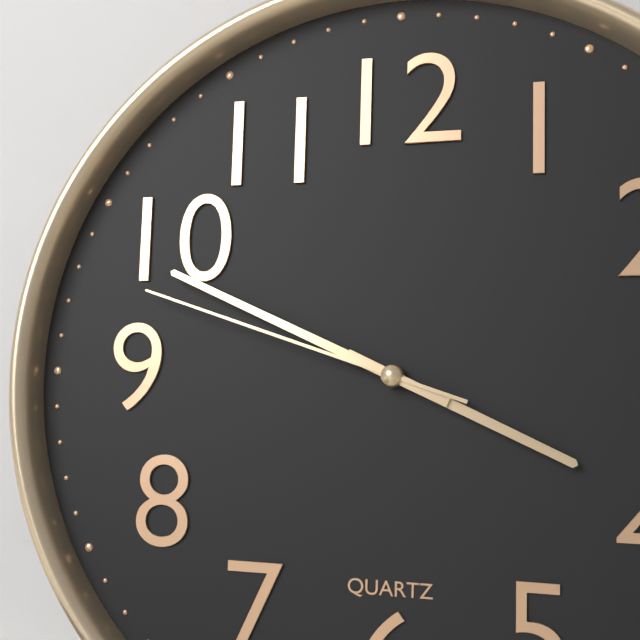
3,49,48
